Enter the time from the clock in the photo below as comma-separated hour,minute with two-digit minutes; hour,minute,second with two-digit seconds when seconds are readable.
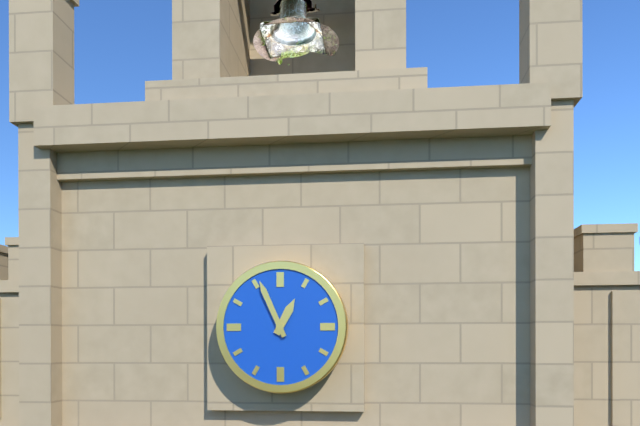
12,56
